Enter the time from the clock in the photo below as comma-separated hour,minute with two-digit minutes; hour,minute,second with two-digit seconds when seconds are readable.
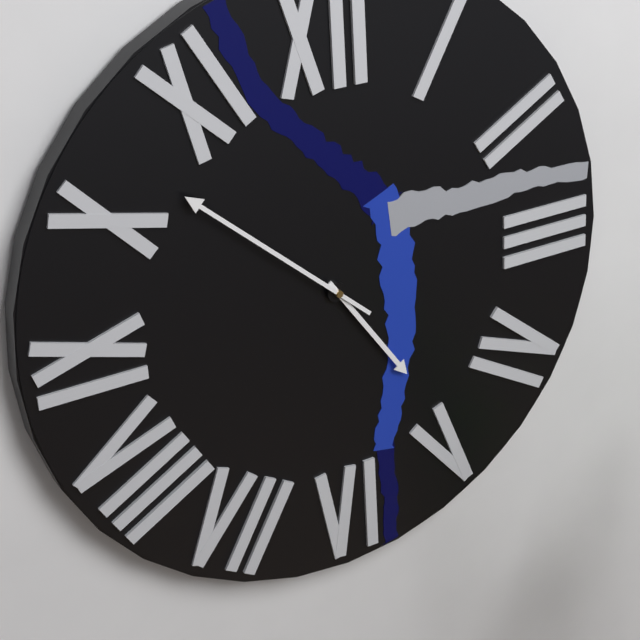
4,52
